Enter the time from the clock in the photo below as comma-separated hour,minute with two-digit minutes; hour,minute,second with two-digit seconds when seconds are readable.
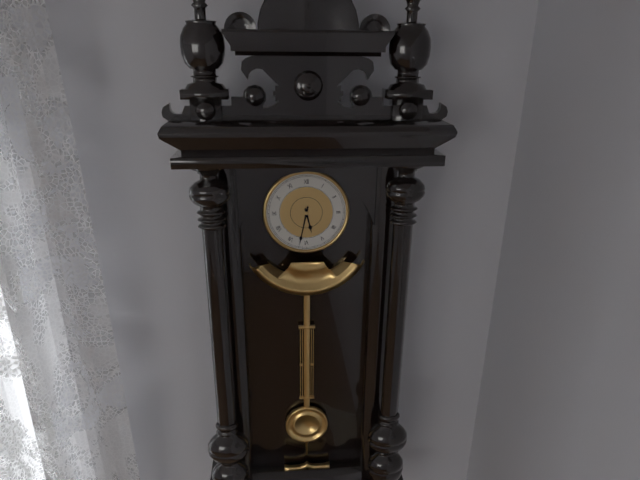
5,32
